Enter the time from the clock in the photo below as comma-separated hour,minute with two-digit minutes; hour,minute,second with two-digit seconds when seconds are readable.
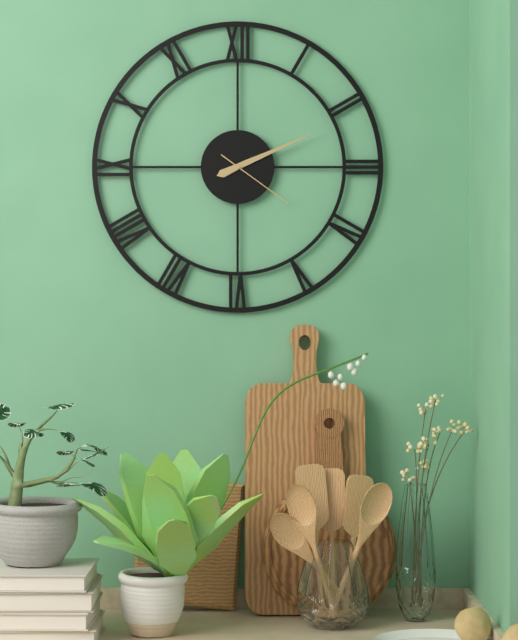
2,11,21
